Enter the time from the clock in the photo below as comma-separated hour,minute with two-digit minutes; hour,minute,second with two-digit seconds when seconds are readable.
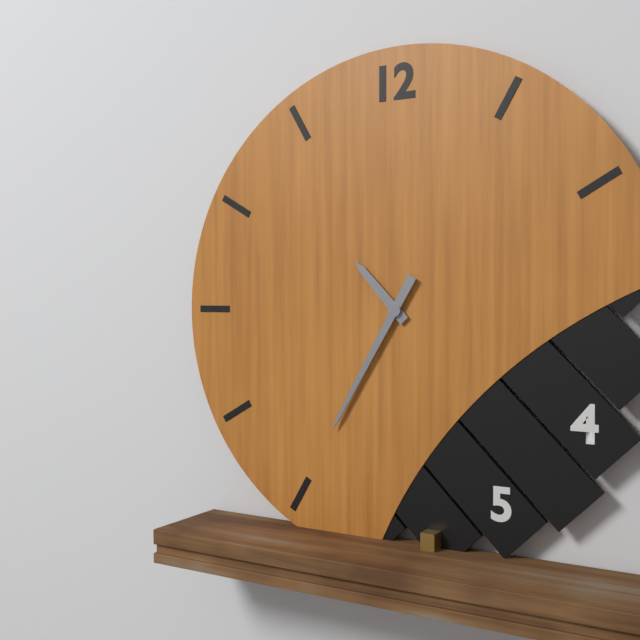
10,35
